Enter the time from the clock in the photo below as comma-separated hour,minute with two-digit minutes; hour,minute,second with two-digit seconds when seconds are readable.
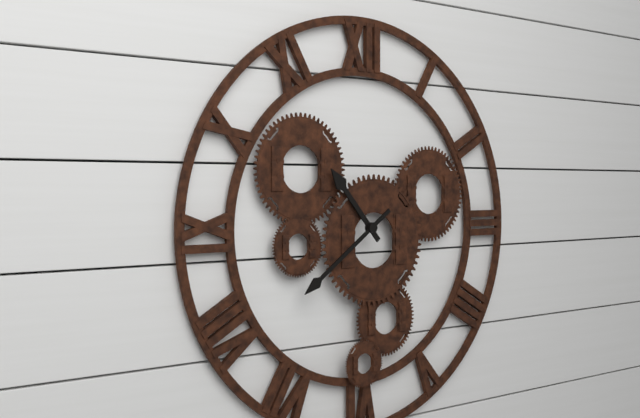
10,39
